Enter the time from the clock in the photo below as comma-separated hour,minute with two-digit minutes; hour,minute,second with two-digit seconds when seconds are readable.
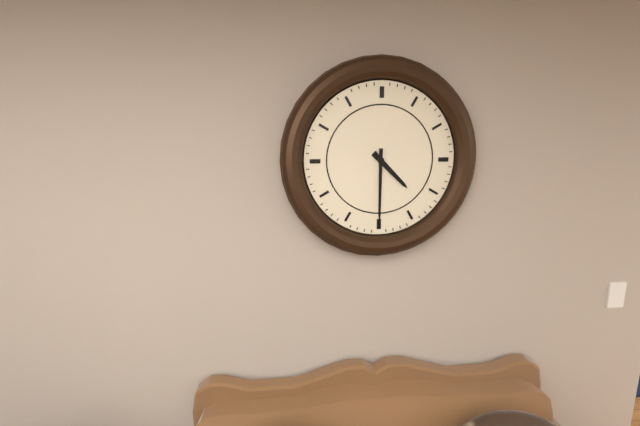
4,30
